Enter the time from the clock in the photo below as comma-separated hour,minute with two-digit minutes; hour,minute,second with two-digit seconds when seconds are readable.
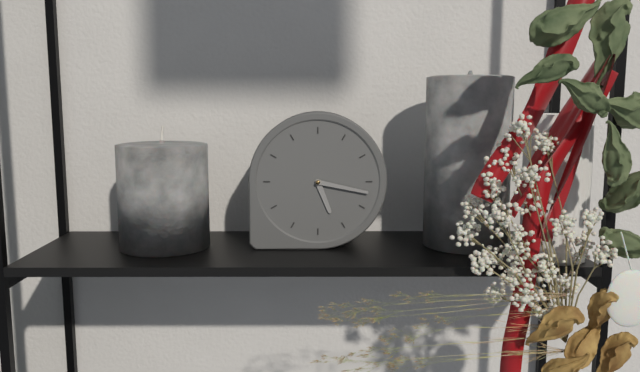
5,17
